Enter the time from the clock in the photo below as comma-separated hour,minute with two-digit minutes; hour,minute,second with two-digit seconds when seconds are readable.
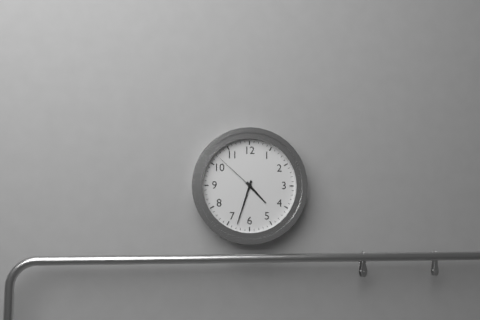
4,33,52
